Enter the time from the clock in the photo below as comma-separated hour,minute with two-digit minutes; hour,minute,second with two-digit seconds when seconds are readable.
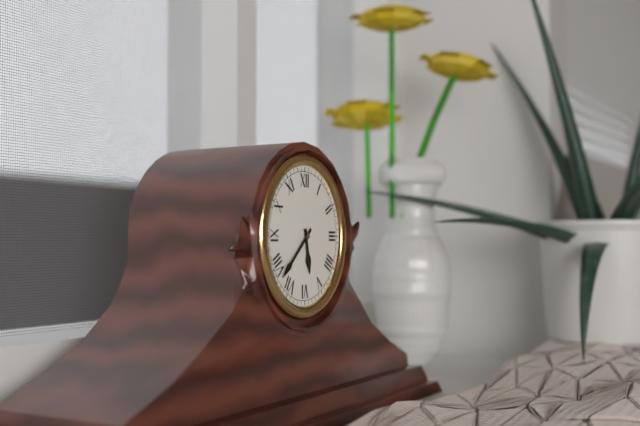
5,38
